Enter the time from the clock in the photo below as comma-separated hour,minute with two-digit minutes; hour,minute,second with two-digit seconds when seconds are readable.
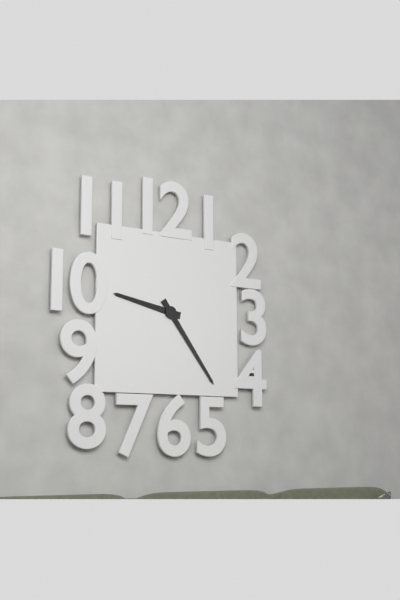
9,24
